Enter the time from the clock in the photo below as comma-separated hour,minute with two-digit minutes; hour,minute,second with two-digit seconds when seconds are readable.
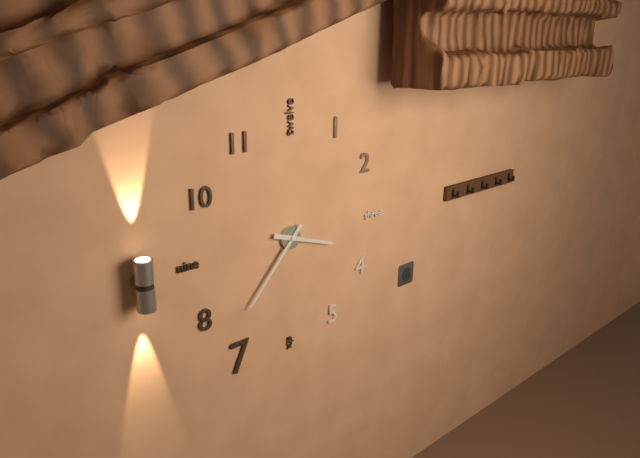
3,37
